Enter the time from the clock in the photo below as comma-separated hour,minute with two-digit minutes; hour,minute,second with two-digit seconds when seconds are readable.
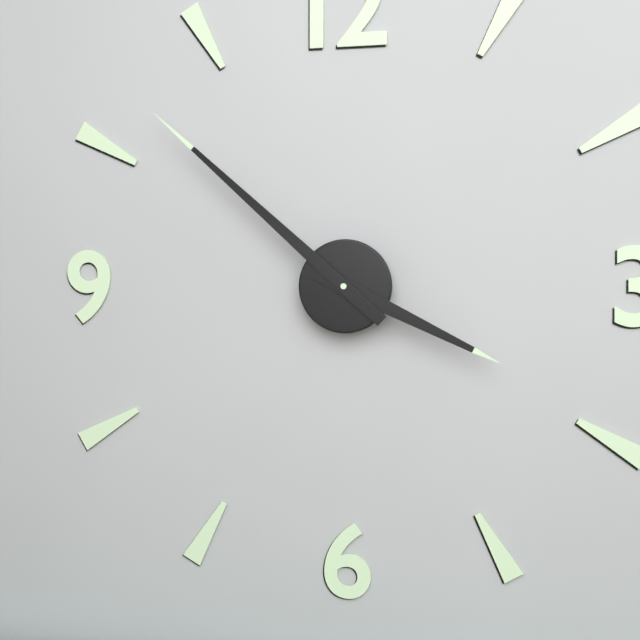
3,52
